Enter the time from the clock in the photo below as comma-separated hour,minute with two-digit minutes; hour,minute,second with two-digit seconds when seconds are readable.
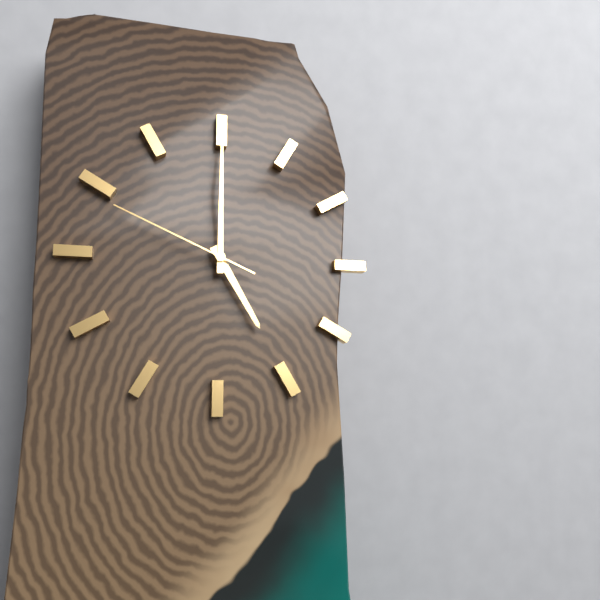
5,00,49
